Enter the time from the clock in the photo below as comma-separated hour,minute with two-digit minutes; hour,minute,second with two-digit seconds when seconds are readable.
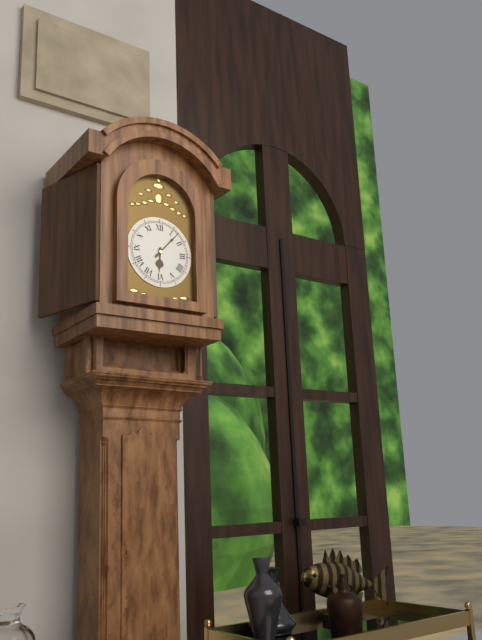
6,07
